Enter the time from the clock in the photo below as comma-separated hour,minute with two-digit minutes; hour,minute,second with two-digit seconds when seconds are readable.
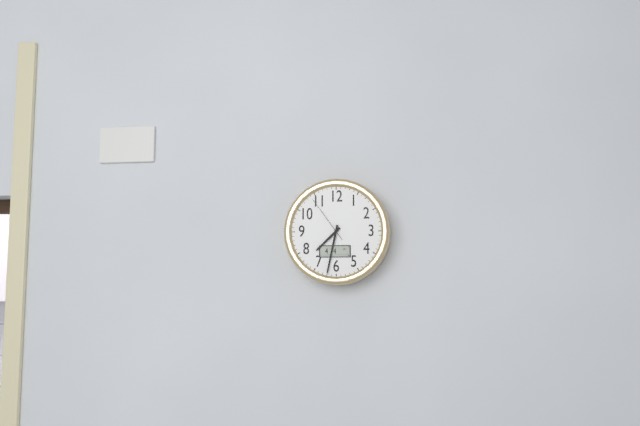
7,32
